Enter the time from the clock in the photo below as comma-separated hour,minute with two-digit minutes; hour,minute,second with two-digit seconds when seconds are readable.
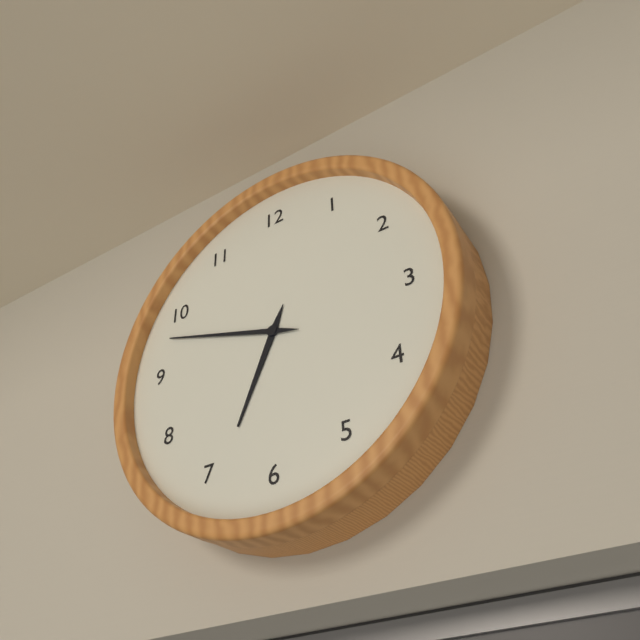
6,48
